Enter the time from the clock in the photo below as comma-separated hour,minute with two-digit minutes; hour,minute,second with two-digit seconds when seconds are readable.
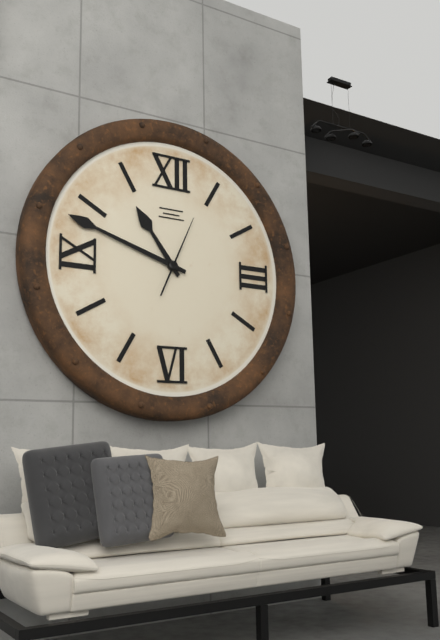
10,48,04
